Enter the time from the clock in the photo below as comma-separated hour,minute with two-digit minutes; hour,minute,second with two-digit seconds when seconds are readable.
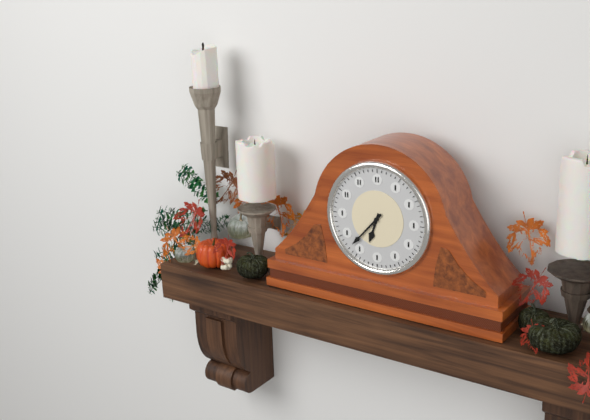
6,37
